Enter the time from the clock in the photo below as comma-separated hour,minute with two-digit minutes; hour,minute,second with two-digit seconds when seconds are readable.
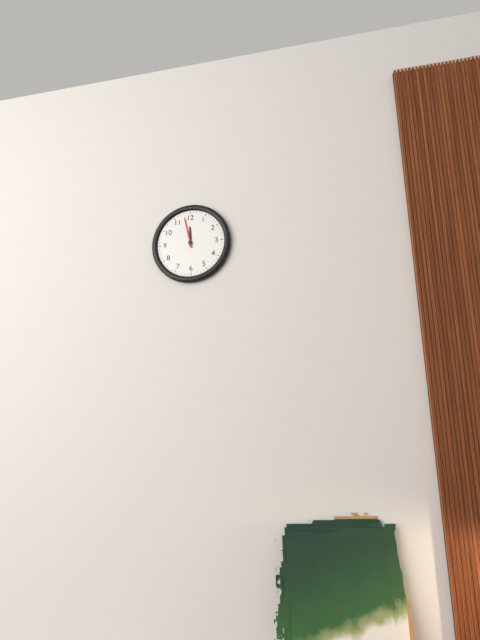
11,58
